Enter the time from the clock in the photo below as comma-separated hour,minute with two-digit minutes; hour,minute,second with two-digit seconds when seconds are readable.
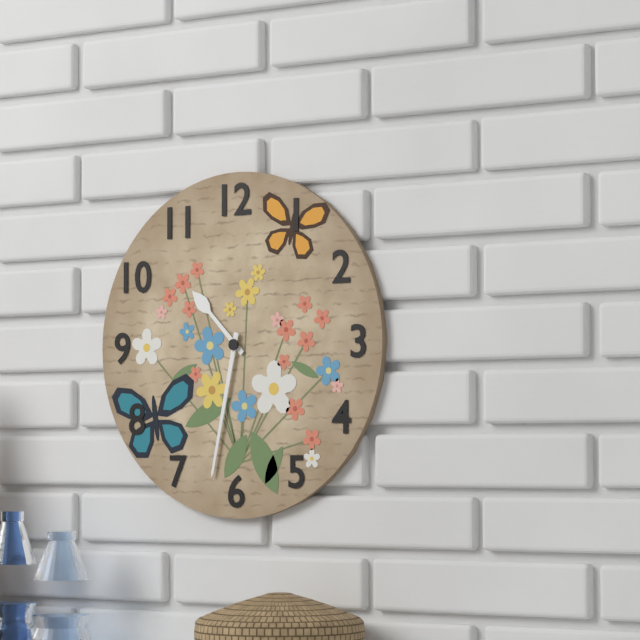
10,32
